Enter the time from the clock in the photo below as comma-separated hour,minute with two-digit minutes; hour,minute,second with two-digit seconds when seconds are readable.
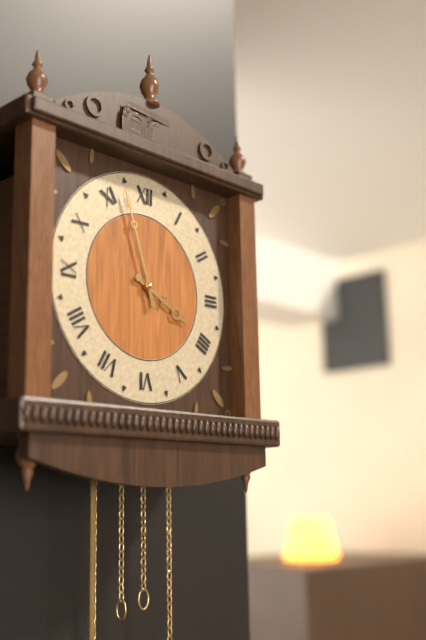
3,57
